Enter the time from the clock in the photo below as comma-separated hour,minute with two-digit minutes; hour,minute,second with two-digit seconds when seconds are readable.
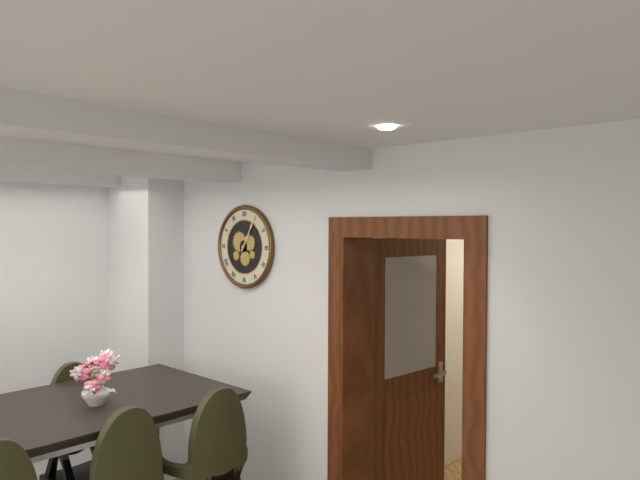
1,05
